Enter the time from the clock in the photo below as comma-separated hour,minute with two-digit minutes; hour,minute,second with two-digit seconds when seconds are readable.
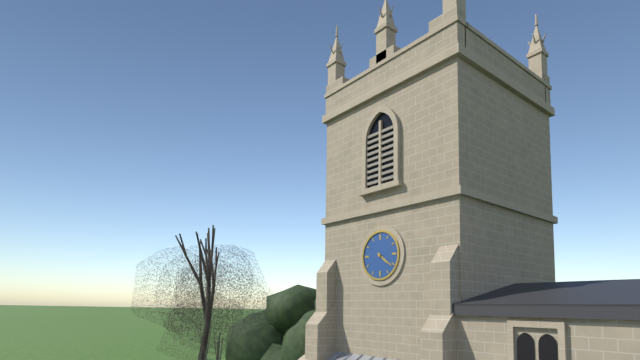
4,21
